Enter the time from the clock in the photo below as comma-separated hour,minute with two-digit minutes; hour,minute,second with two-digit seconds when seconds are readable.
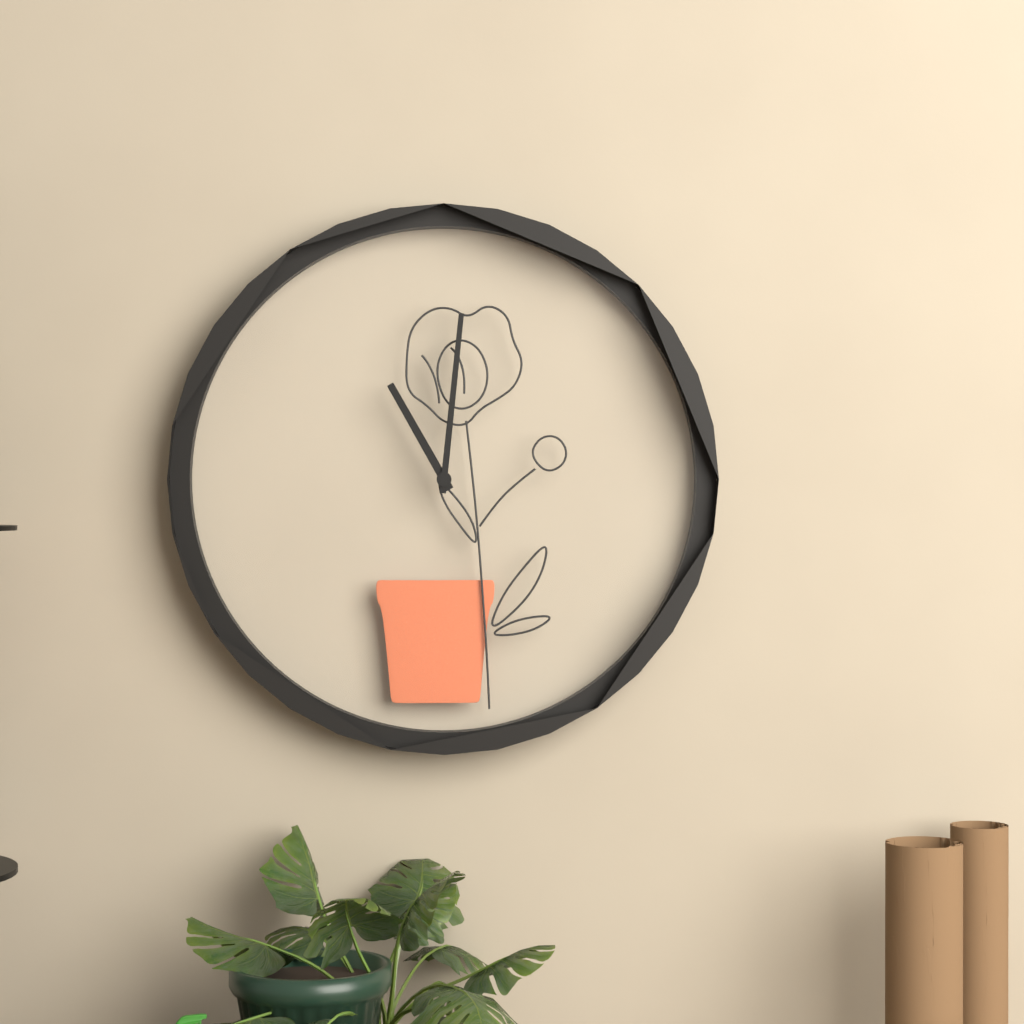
11,01
